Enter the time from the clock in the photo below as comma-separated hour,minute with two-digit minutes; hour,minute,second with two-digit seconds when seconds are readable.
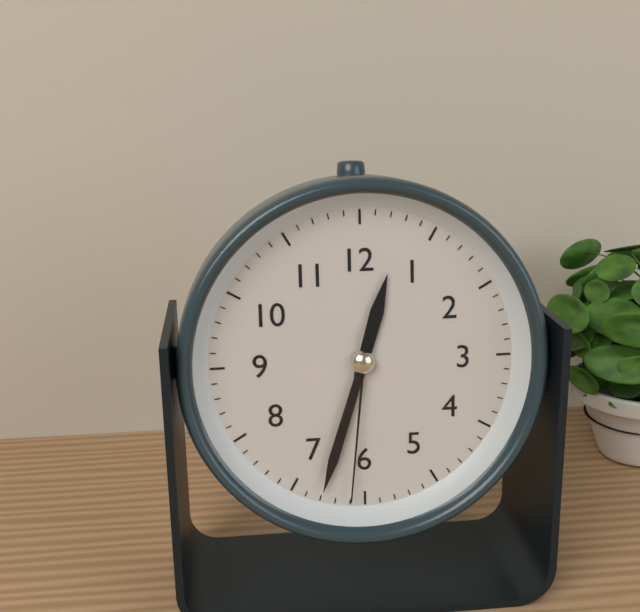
12,33,31
